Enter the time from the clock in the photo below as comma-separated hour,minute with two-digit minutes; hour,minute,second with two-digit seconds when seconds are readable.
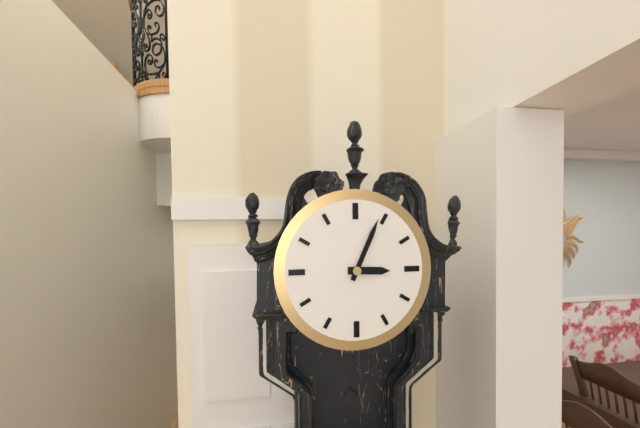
3,04
